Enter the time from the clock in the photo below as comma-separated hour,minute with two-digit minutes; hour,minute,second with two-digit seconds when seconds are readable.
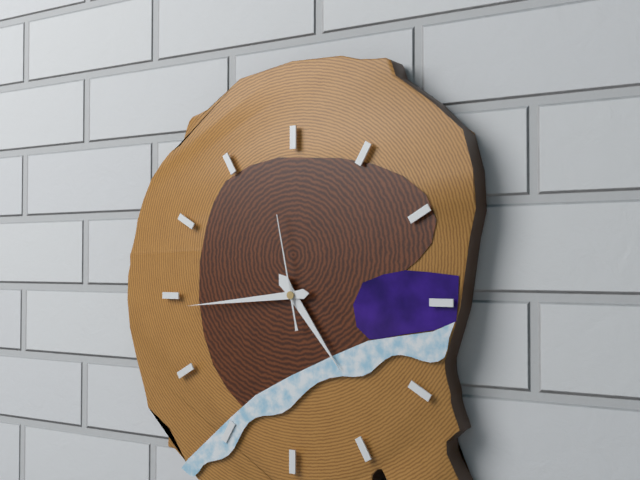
4,44,58
